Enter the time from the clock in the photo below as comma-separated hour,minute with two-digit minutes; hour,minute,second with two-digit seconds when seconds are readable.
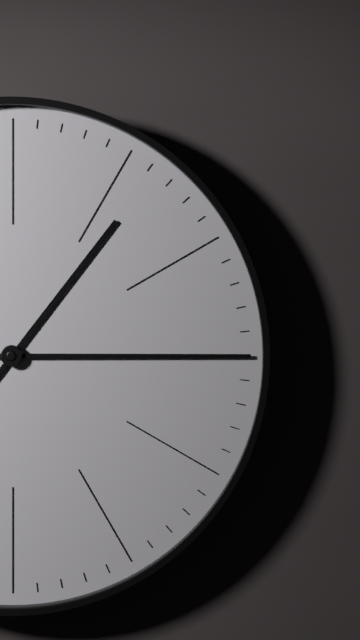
1,15
